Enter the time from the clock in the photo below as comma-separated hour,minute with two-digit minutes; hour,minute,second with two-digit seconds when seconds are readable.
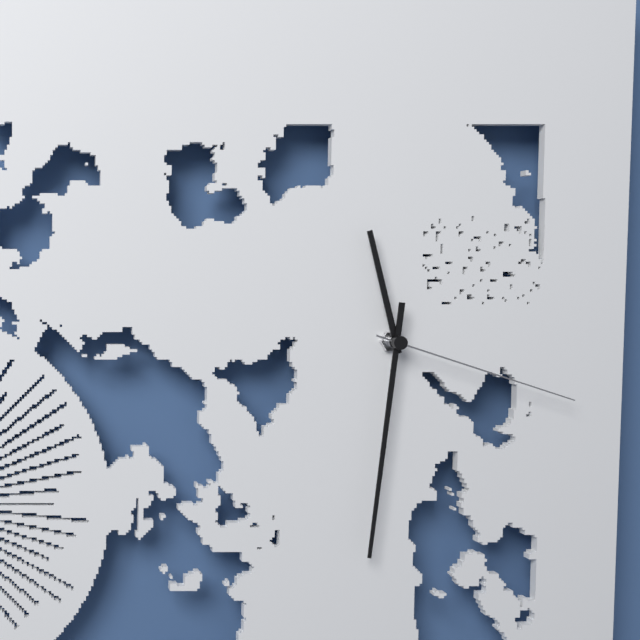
11,31,18
